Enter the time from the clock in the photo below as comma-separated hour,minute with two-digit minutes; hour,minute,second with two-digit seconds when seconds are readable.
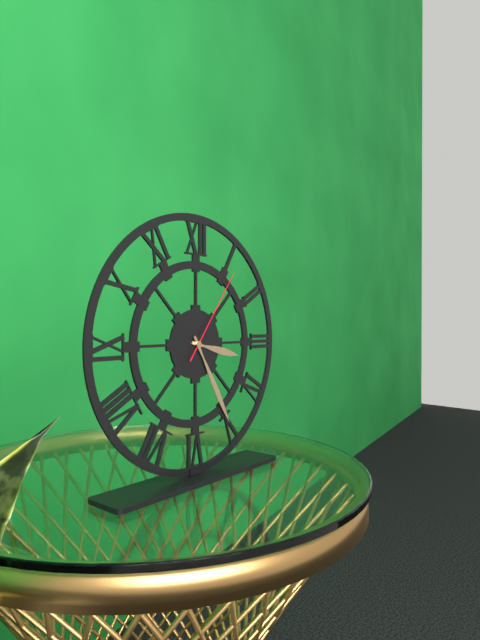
3,25,06
